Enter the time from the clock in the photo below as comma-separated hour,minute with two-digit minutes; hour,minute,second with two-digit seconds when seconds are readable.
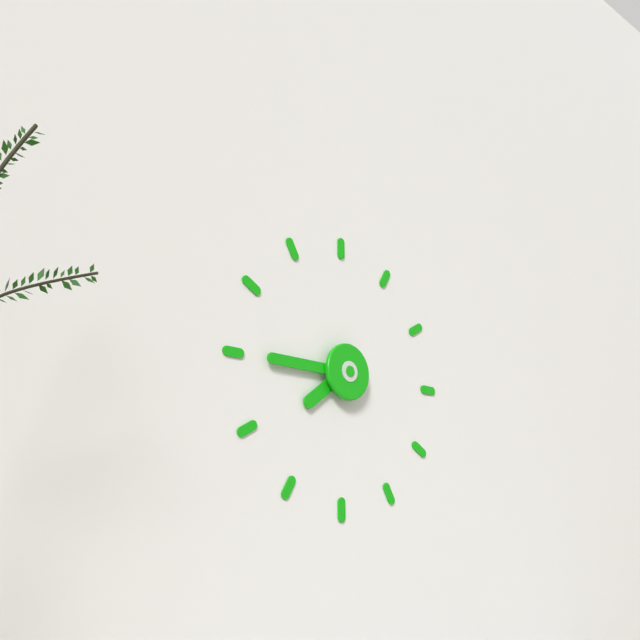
7,45
